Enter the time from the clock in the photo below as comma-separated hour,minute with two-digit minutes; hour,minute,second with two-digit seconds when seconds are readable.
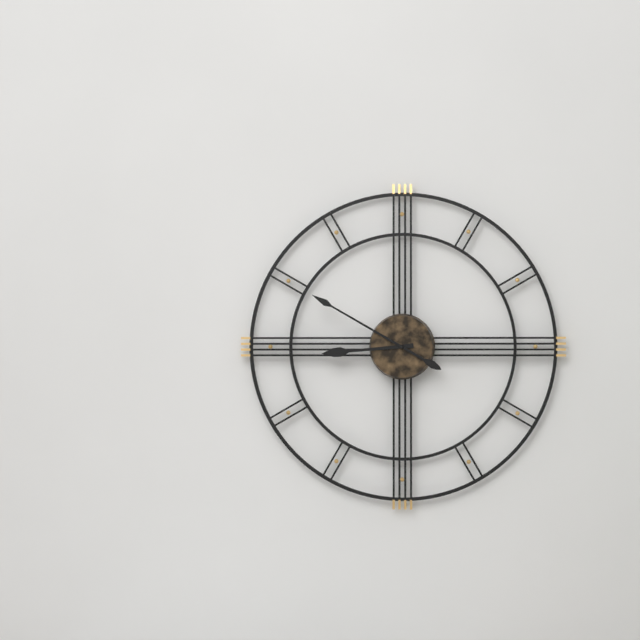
8,50
